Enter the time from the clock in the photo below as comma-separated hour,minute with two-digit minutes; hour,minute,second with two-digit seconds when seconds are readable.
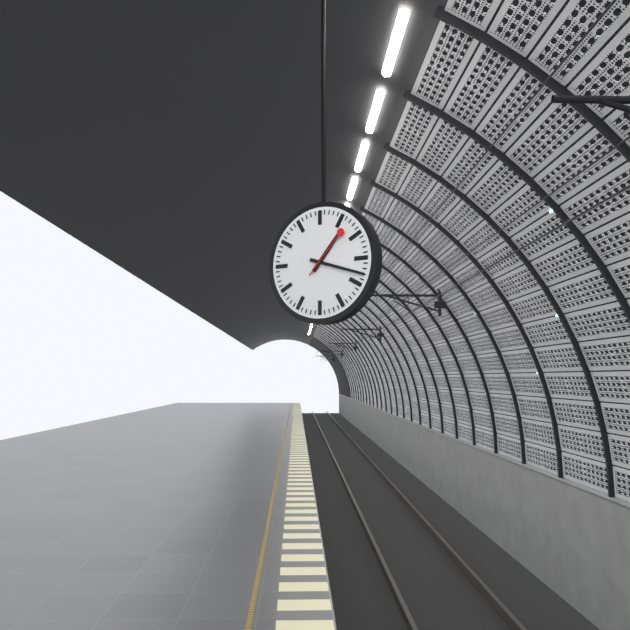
1,18,07
